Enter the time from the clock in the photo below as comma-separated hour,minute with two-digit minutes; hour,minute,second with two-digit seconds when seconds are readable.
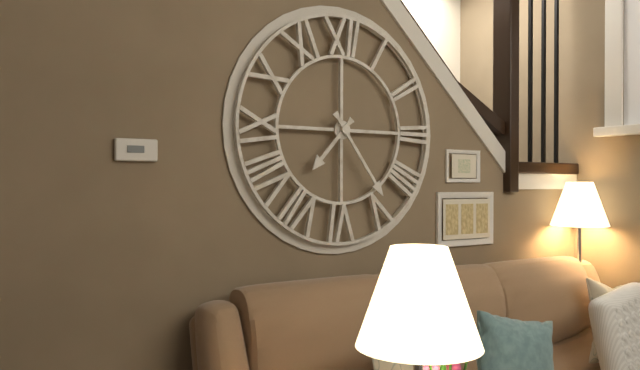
7,24
